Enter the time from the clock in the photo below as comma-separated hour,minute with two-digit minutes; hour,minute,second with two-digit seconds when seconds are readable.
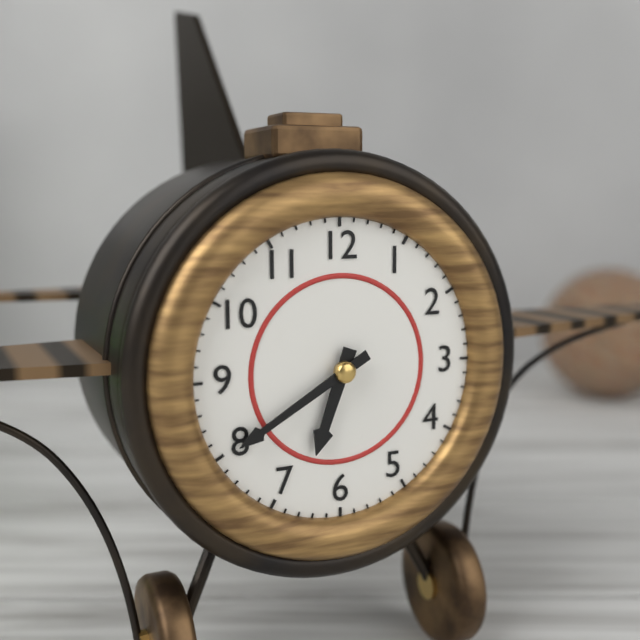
6,40
